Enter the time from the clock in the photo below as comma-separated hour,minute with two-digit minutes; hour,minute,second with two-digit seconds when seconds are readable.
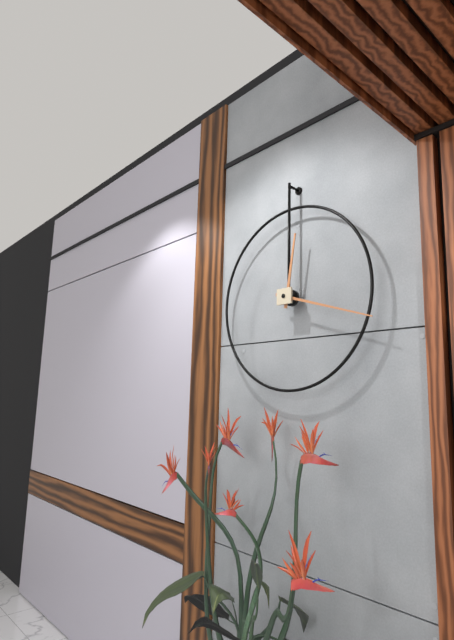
12,18
